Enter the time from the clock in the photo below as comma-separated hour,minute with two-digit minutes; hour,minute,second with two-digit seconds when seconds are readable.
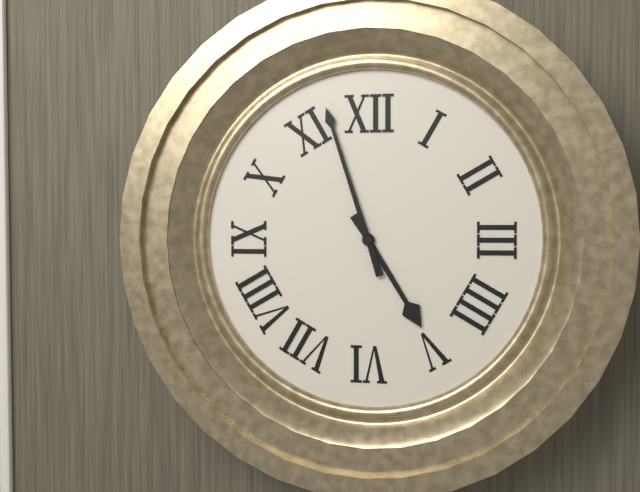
4,57
